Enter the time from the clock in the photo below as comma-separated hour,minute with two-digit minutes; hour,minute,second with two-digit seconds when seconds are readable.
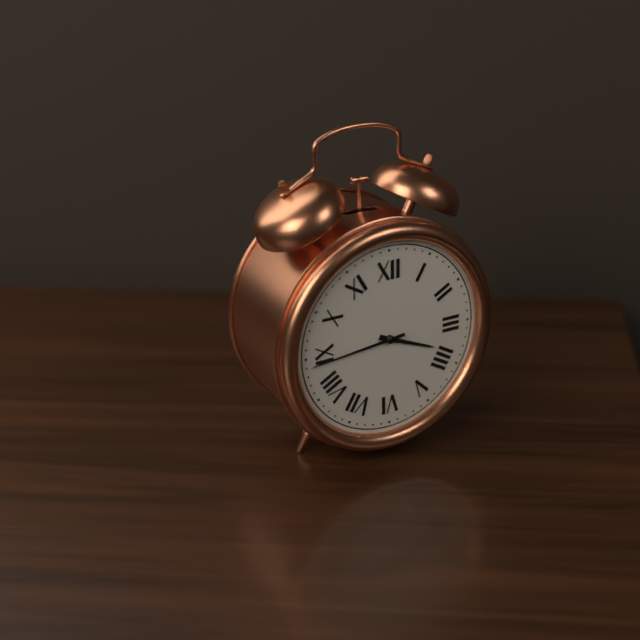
3,44
